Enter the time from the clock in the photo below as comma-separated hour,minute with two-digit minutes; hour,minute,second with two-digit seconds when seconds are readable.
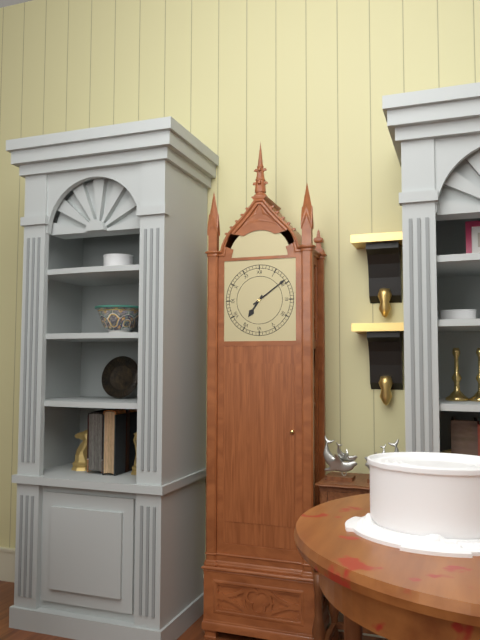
7,09
